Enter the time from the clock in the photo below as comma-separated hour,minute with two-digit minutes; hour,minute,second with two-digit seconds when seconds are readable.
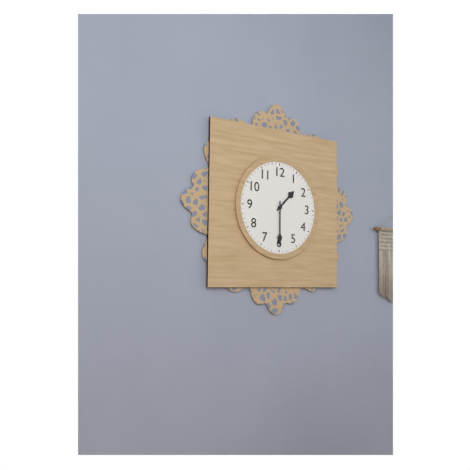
1,30
